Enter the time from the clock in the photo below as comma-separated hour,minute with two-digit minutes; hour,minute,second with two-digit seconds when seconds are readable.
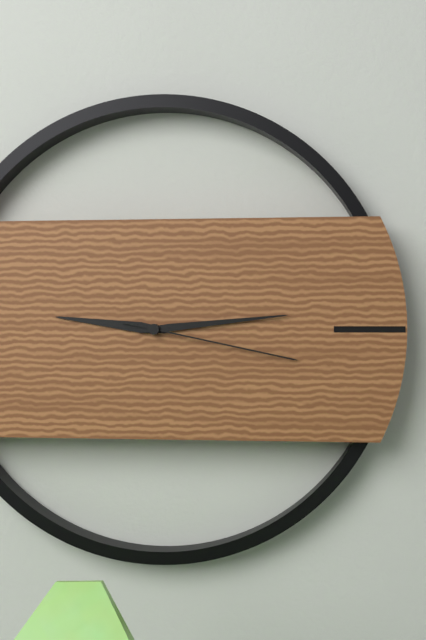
9,14,17
